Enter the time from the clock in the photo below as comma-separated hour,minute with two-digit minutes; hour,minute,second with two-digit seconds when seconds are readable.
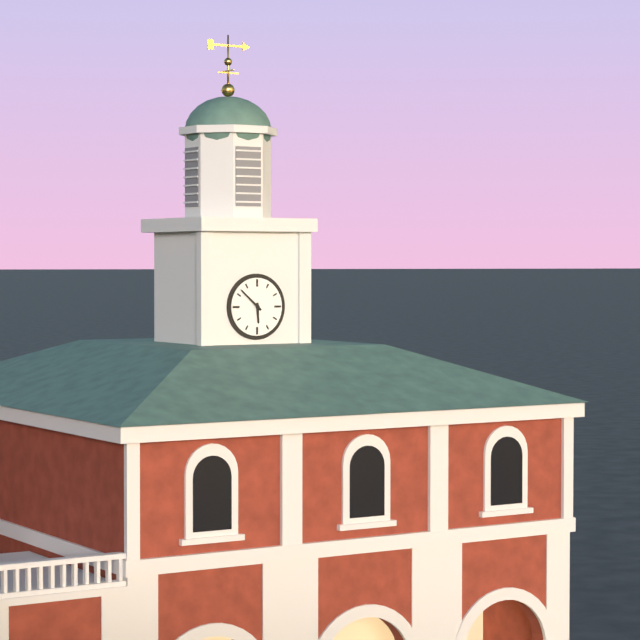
5,52
